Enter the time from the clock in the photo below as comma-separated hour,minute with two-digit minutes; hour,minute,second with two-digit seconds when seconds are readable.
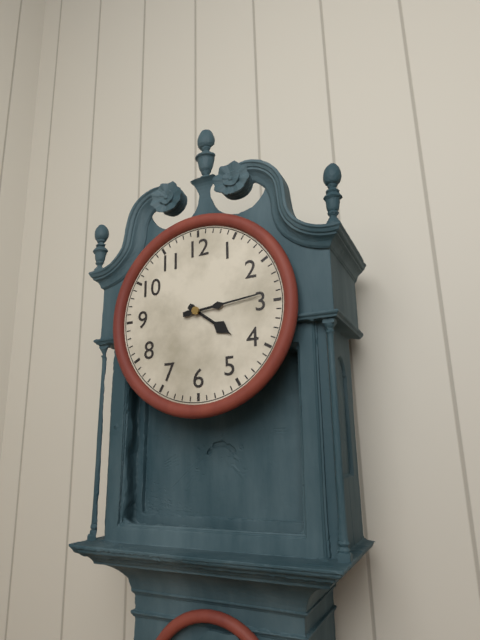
4,14
